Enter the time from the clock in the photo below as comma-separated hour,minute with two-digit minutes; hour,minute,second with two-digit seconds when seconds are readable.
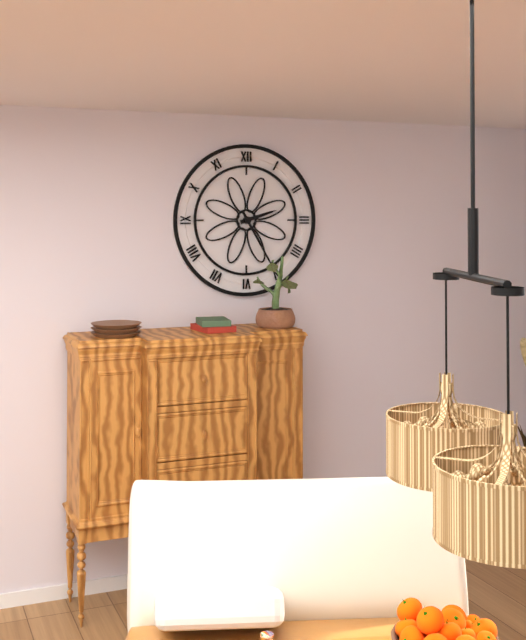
2,25
